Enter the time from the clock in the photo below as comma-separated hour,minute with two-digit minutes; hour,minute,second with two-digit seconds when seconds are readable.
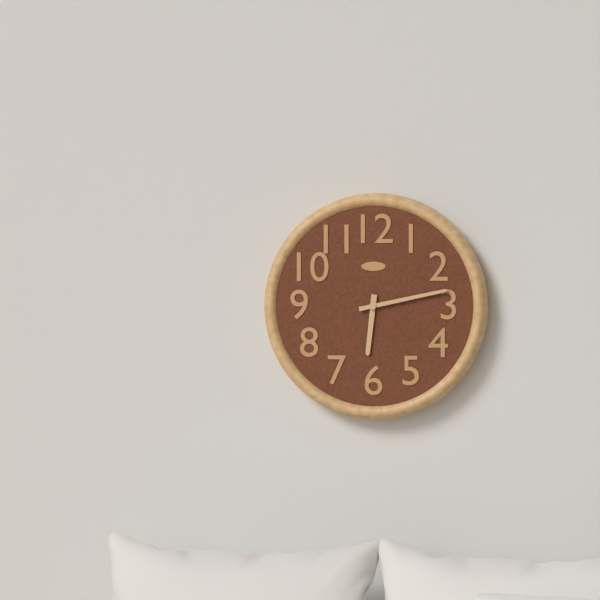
6,13
